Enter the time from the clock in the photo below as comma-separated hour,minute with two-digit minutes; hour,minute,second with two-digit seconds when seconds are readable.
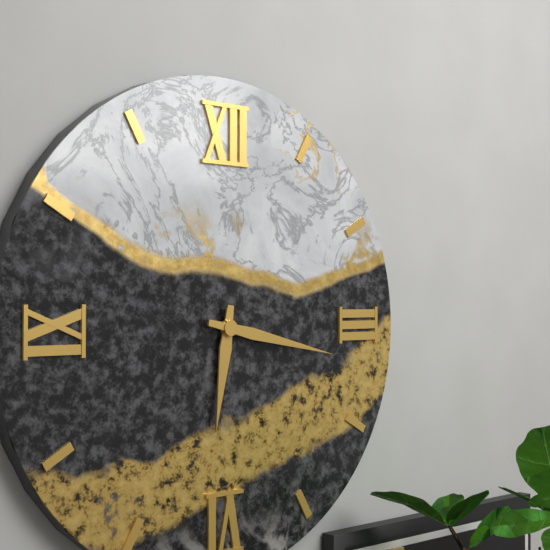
6,17
